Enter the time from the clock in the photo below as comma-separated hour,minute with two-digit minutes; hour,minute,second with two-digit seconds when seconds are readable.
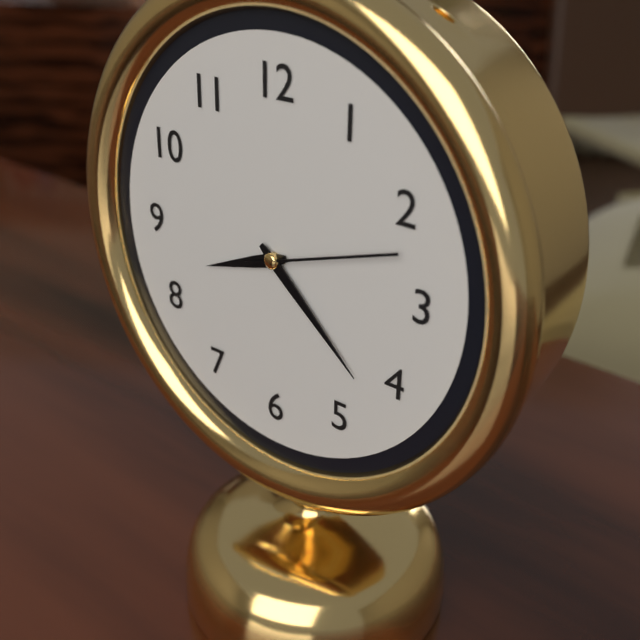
8,22,12
